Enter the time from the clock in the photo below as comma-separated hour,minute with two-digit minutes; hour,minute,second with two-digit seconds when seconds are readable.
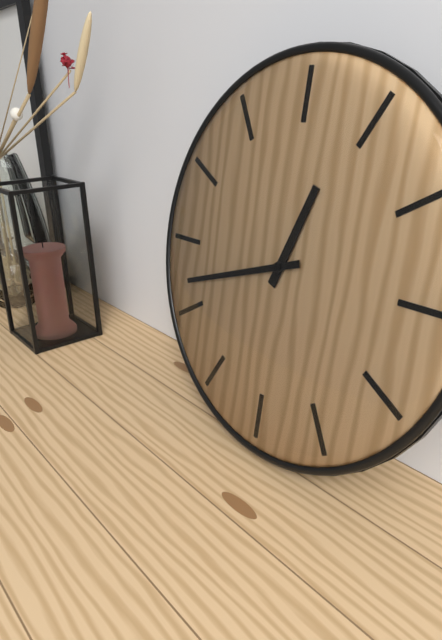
12,42
